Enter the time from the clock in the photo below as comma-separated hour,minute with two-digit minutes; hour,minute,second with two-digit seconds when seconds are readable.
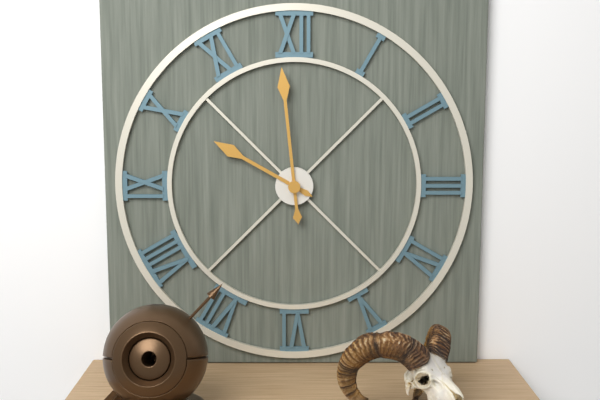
9,59
